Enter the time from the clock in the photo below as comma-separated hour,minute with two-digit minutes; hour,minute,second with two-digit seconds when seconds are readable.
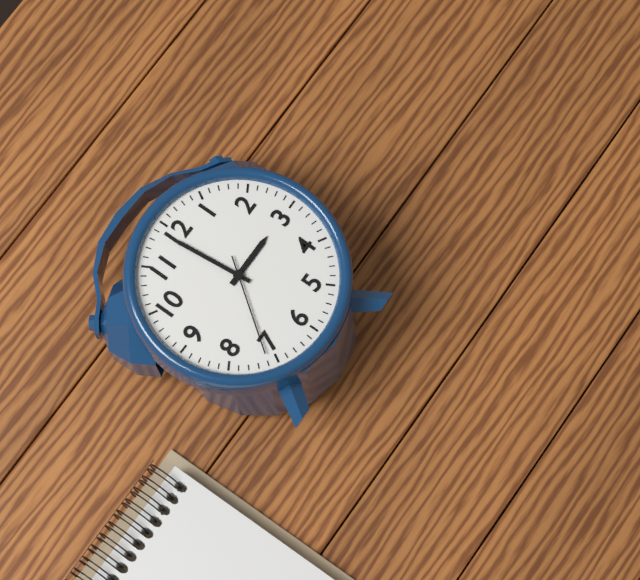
2,59,36
